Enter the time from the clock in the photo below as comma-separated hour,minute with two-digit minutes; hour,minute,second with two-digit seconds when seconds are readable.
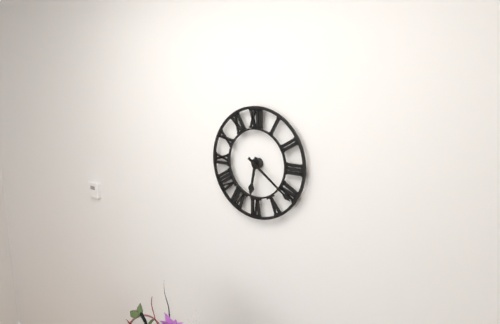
6,21
